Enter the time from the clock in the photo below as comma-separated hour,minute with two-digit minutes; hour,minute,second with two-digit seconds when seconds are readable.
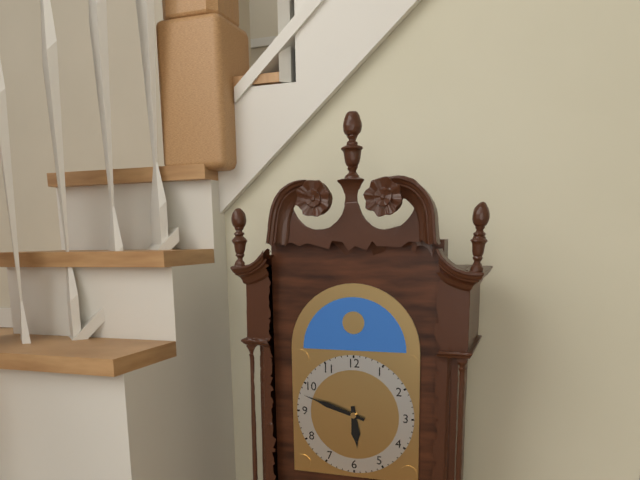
5,48
